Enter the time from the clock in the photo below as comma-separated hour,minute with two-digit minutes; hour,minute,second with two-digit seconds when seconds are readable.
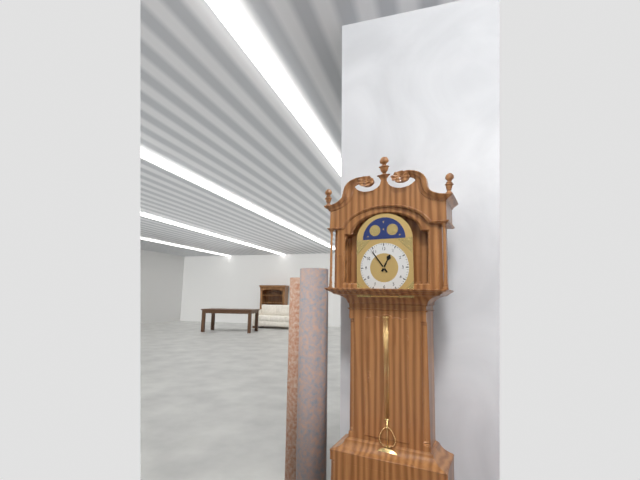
12,54
